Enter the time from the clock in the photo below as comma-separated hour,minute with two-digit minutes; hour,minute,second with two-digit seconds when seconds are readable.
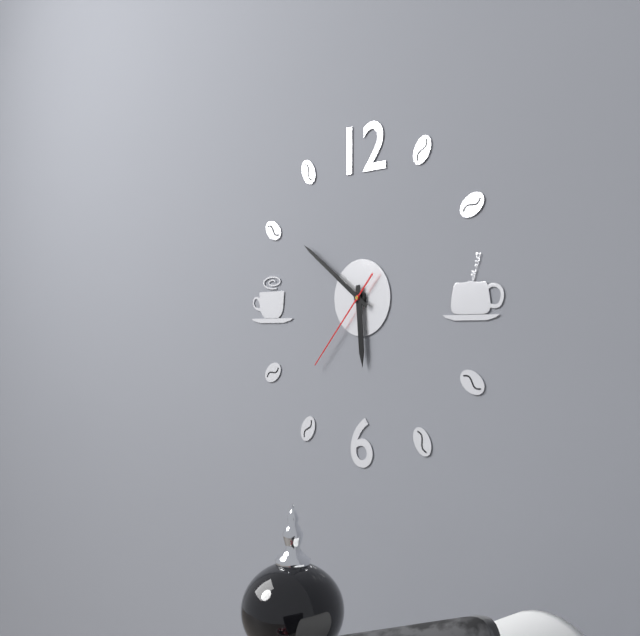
5,51,37
